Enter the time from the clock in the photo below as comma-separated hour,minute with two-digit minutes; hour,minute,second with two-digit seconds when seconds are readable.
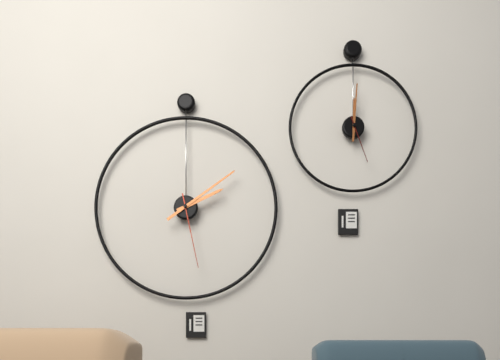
2,09,28
